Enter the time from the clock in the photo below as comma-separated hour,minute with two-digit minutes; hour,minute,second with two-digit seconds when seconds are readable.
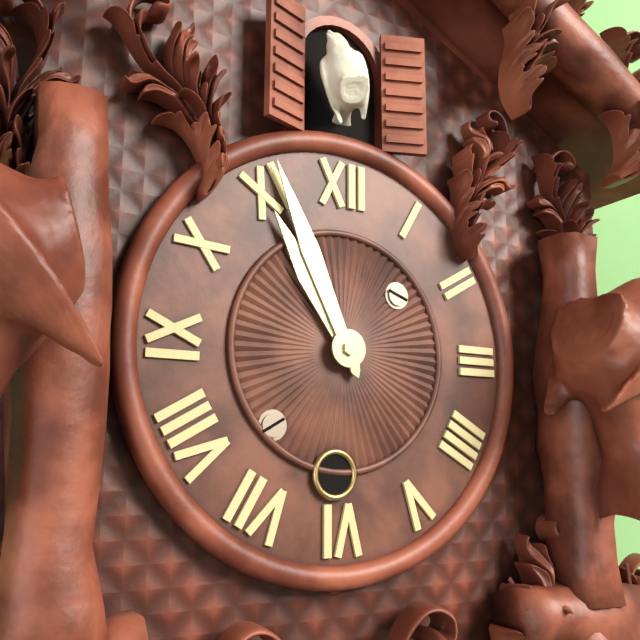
10,56
